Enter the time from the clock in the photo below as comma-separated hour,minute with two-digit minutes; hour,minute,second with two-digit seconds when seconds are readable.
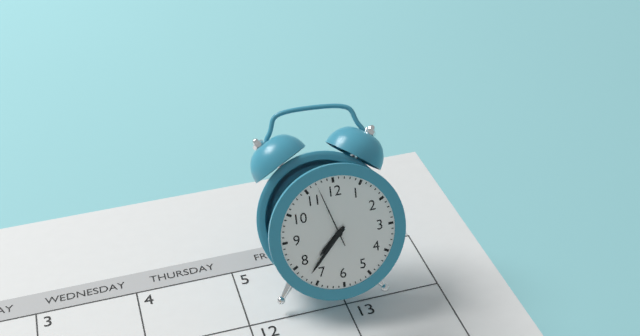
7,37
